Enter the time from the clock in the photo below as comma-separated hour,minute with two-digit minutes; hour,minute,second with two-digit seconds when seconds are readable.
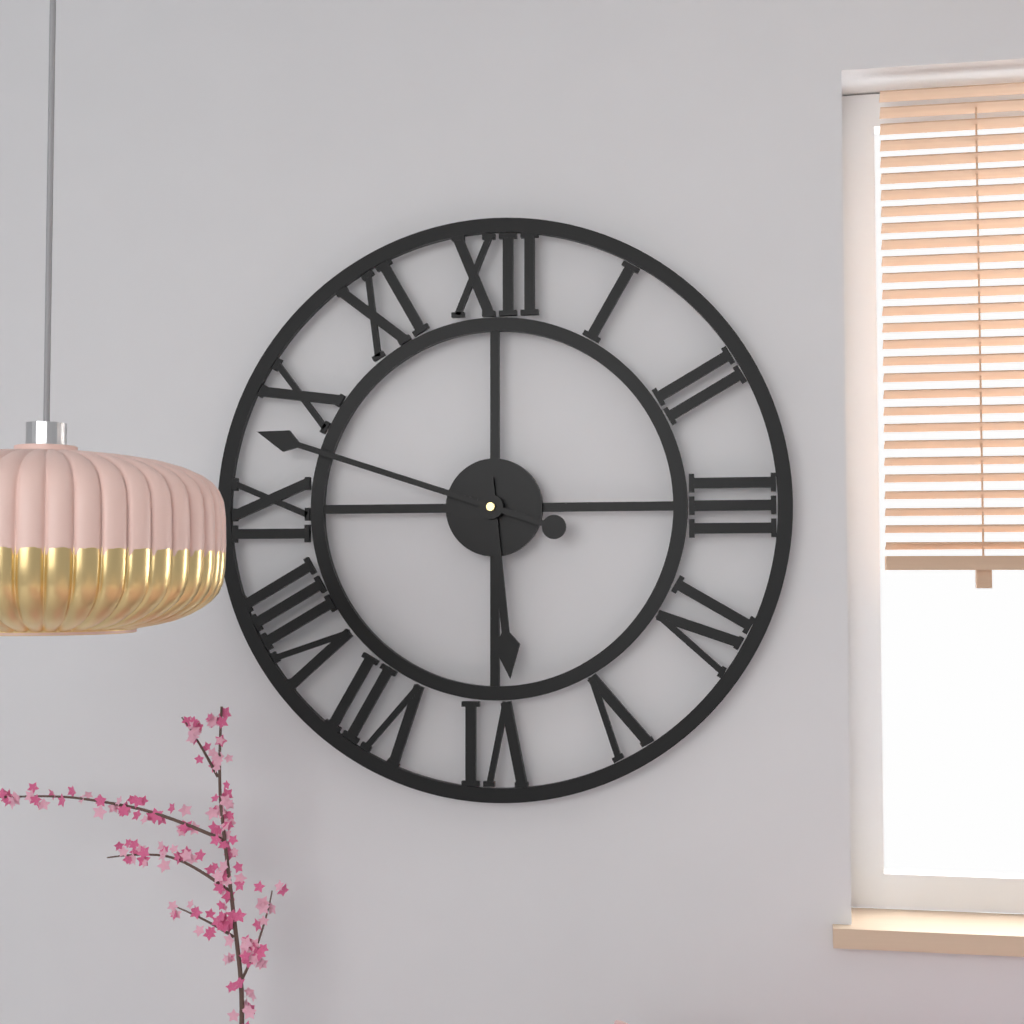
5,48
